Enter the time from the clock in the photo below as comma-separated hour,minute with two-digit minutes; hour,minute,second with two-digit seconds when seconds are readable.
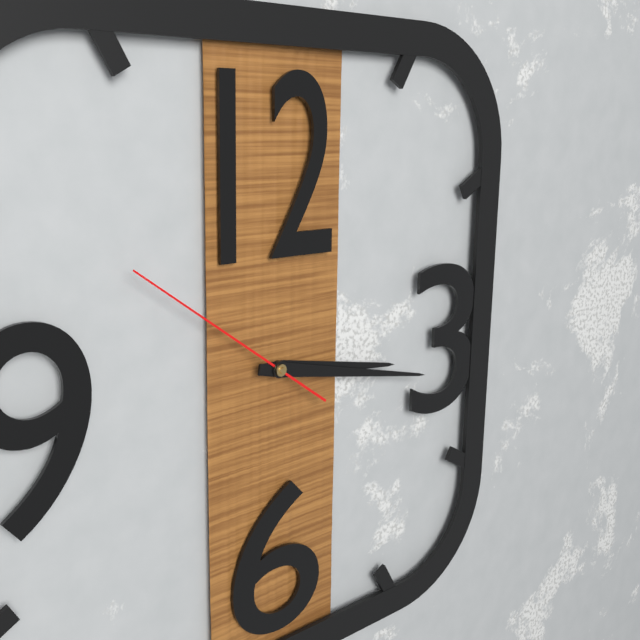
3,17,51
